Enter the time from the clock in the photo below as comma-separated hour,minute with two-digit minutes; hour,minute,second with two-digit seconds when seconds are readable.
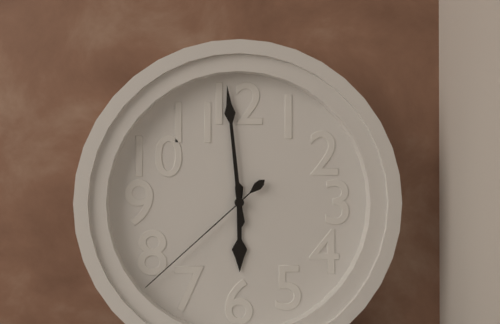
5,59,38
